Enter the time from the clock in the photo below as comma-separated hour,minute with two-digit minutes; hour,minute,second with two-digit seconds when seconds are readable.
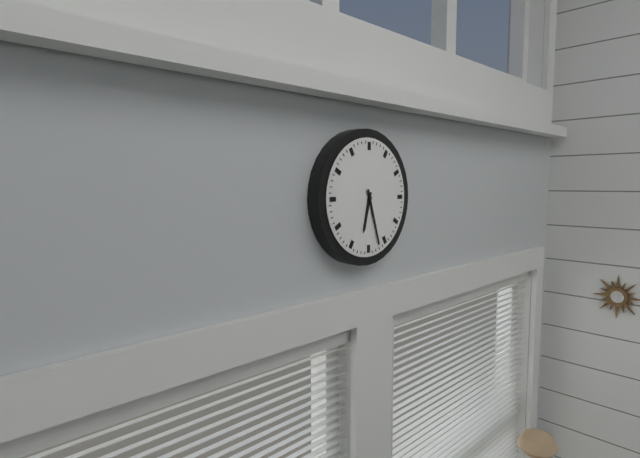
6,27
